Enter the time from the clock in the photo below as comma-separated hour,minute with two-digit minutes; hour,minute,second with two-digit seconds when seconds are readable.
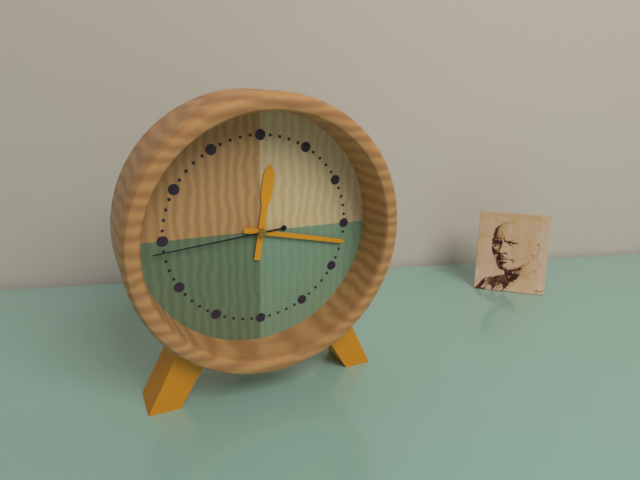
12,17,44
